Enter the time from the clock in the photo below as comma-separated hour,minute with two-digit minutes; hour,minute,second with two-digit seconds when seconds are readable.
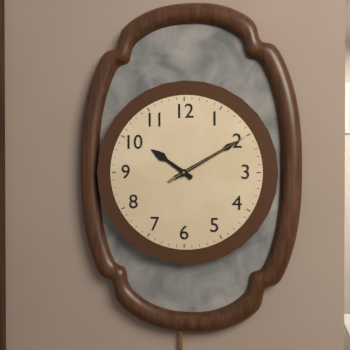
10,10,10
